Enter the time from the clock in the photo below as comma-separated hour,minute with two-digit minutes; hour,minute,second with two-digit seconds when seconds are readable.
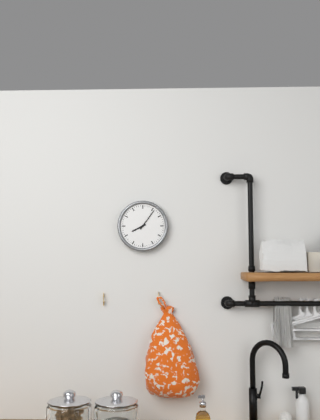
8,06
